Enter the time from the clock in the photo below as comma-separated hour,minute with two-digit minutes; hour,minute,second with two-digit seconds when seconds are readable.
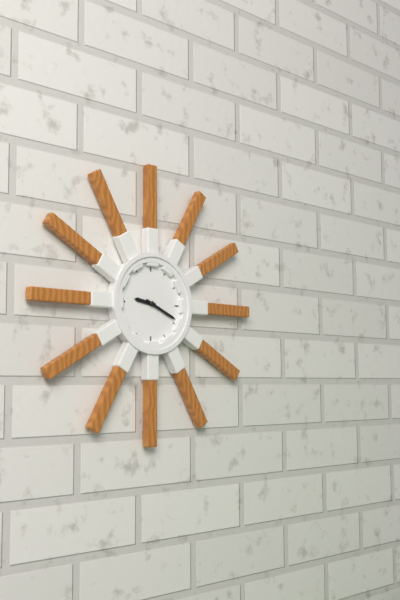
9,19
